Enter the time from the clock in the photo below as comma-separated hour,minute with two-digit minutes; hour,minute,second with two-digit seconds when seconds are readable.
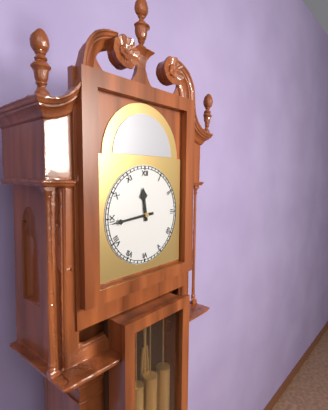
11,44
